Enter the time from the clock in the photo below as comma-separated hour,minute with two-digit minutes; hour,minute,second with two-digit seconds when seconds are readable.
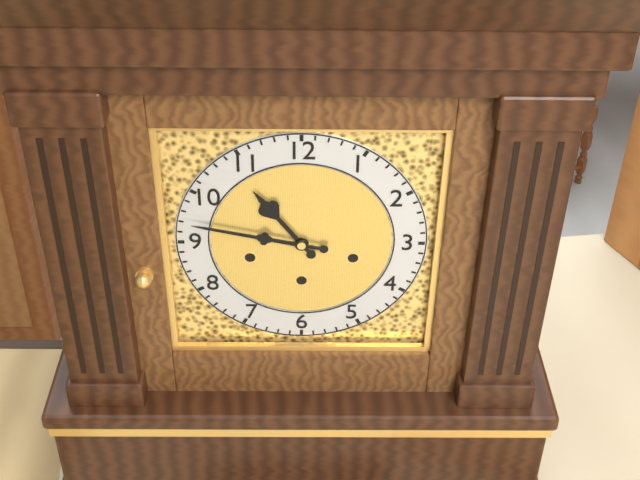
10,47
